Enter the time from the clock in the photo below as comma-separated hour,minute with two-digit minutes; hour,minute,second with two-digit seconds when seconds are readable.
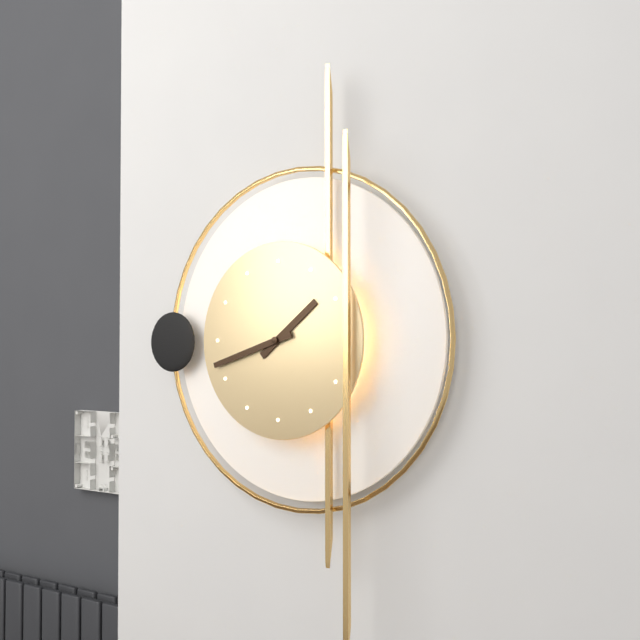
1,42
